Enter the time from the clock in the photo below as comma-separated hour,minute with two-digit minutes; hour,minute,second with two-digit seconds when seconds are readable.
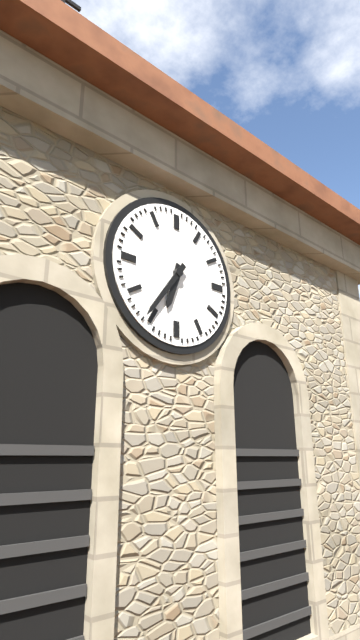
6,36
